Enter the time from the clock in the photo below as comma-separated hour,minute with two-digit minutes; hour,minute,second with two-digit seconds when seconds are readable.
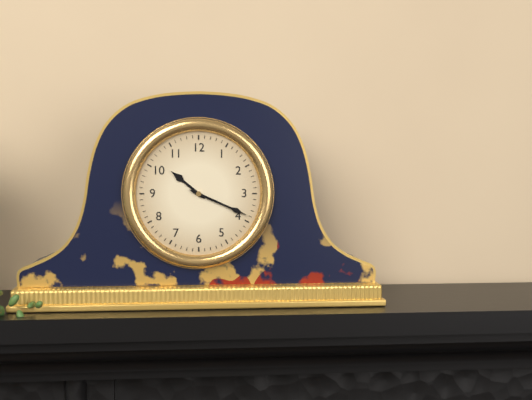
10,19
